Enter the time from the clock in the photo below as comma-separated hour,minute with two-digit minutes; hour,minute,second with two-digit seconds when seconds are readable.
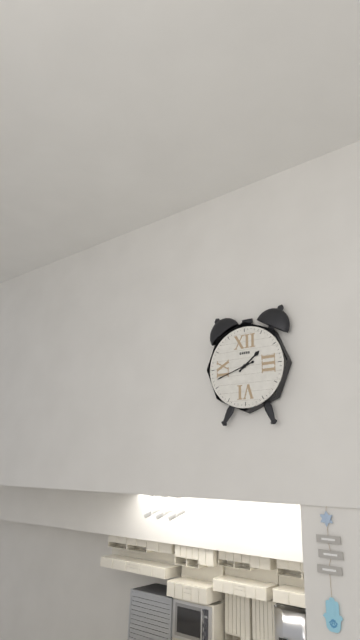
1,42
